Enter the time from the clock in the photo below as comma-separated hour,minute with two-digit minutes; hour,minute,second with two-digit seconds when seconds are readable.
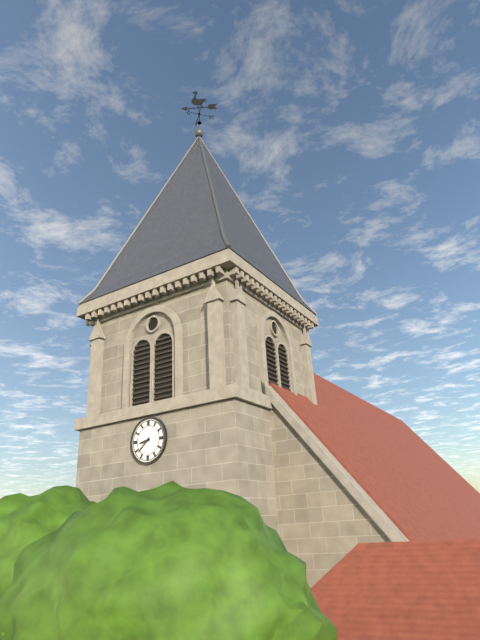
8,38
